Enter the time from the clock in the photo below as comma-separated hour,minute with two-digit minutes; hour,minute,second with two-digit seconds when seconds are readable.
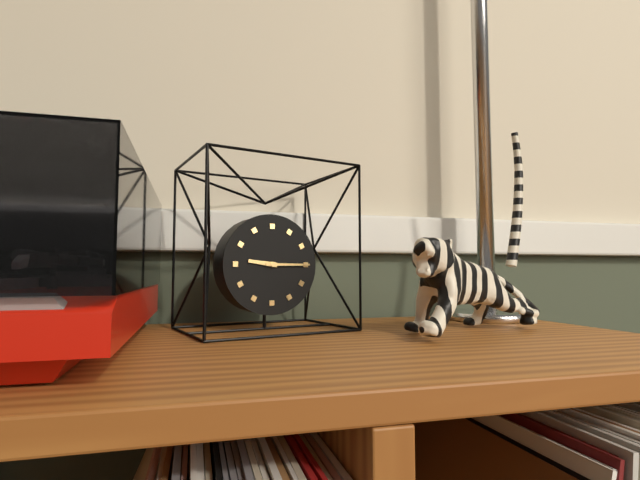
9,15
